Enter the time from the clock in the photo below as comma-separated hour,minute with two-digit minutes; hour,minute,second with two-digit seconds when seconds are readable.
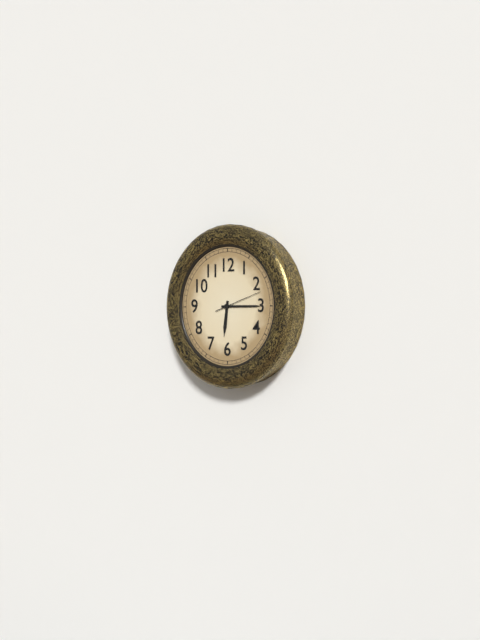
6,15
